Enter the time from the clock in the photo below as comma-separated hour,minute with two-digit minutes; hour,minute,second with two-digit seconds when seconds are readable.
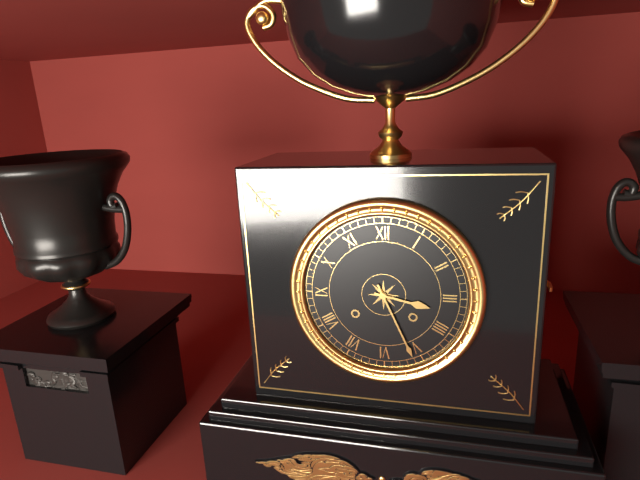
3,26
